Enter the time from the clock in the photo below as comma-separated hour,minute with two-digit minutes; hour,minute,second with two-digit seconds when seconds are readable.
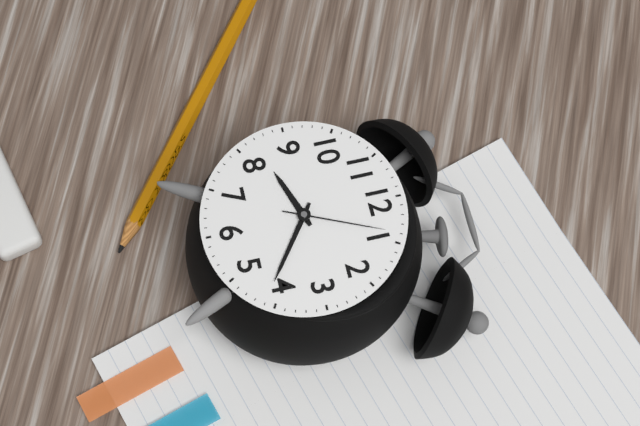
8,21,04
